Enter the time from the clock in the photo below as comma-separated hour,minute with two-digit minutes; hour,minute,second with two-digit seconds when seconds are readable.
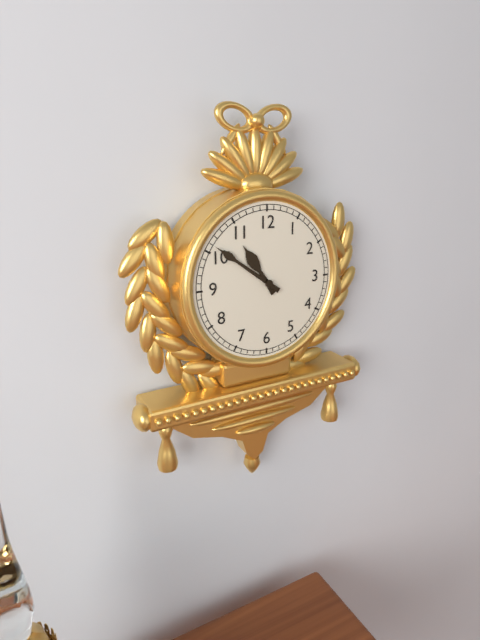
10,51
